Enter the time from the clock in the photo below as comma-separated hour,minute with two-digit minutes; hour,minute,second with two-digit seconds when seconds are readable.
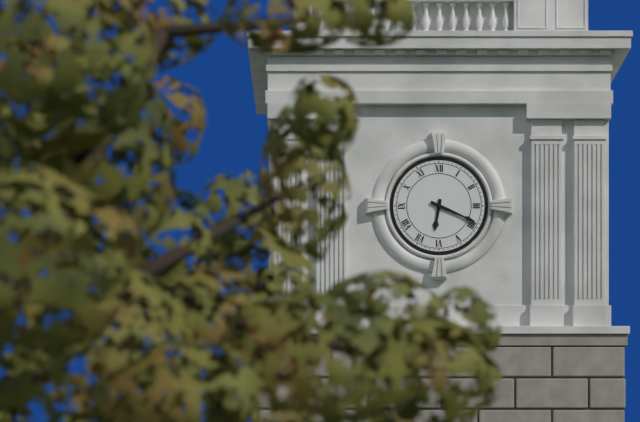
6,19
